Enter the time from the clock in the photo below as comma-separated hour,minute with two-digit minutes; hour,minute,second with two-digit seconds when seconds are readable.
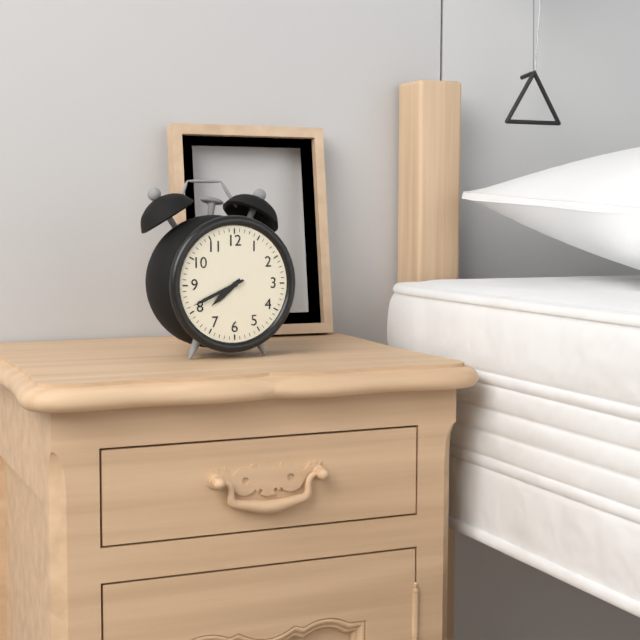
7,41
